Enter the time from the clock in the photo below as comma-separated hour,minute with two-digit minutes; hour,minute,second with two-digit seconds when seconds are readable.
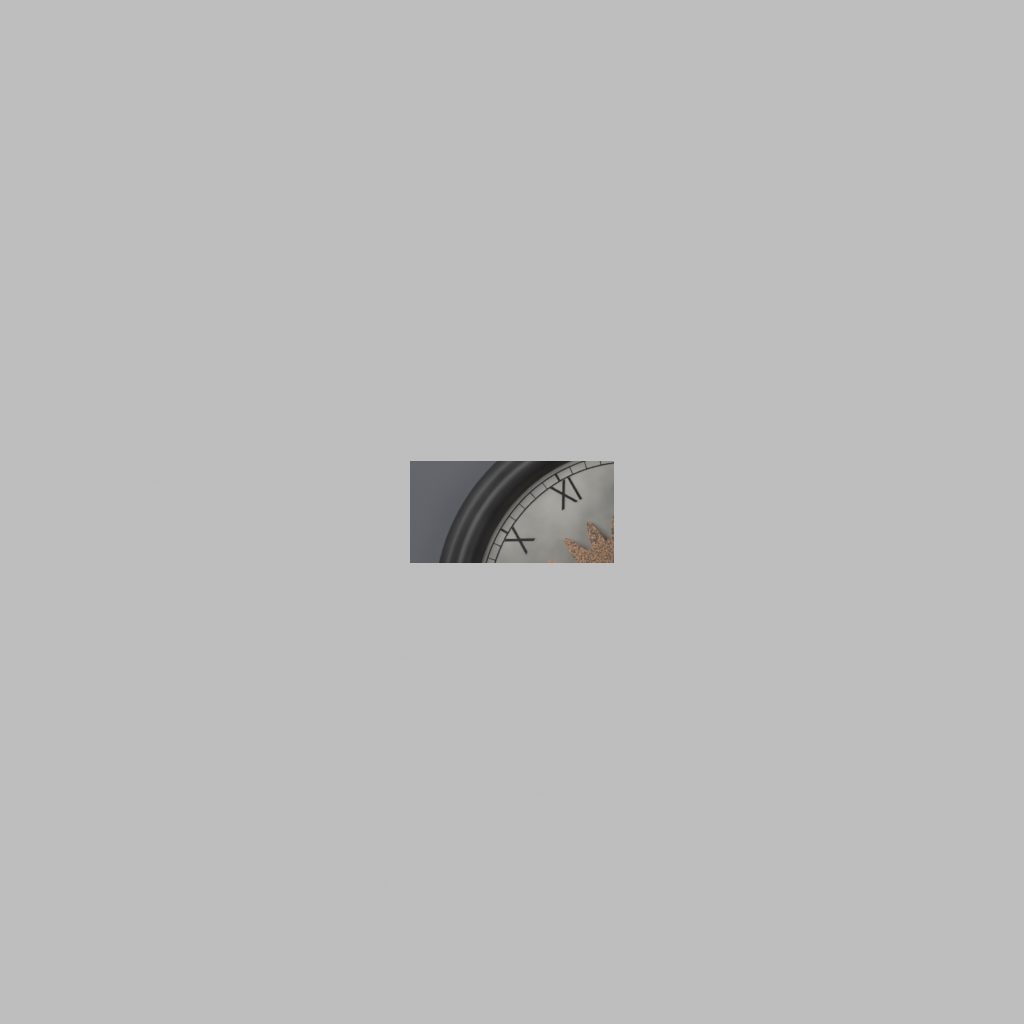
7,26
